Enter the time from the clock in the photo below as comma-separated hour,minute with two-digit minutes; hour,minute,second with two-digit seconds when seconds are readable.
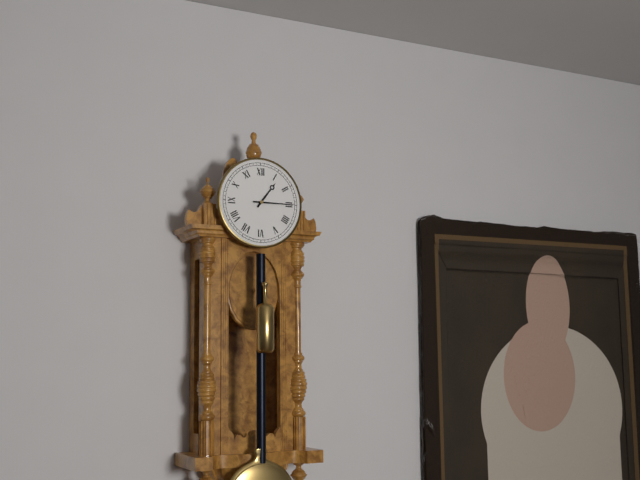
1,15
